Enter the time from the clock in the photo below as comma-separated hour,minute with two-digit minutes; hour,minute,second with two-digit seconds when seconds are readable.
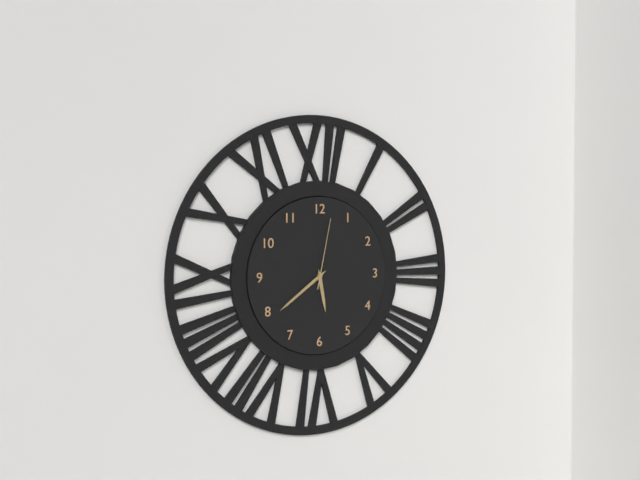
5,39,02
